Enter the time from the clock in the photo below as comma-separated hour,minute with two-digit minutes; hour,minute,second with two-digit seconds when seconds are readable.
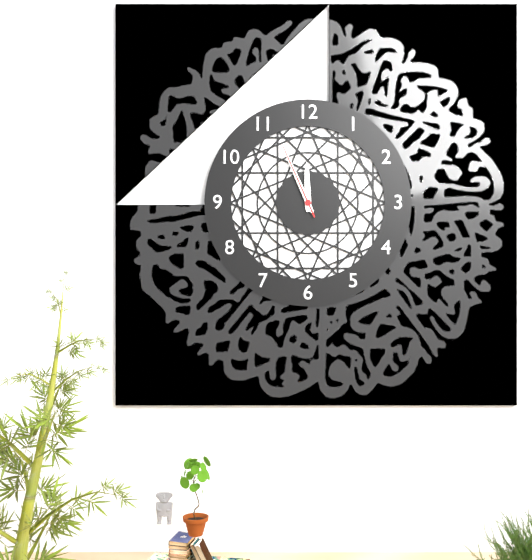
11,56,56
